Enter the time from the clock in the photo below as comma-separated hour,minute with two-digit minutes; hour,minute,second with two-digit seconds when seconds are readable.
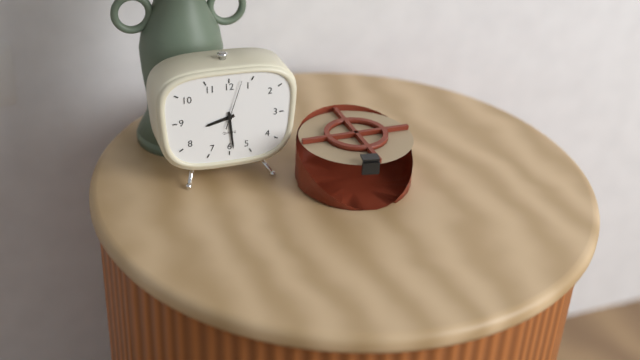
8,29
